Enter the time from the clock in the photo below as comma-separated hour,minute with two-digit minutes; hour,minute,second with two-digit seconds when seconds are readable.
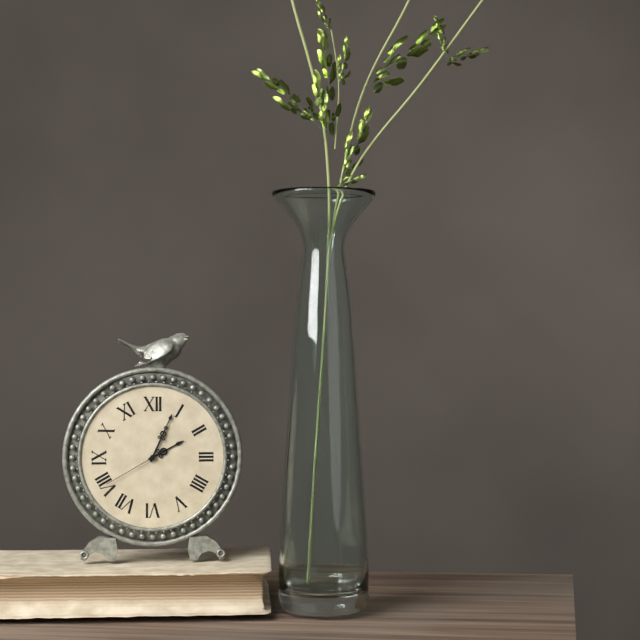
2,04,40
